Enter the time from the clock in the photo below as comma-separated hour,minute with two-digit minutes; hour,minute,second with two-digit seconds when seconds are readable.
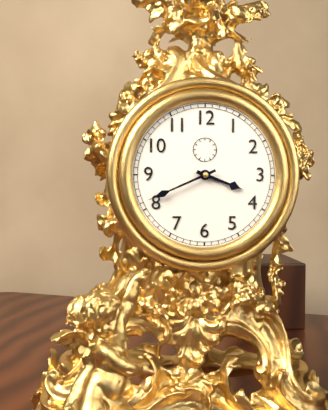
3,41
